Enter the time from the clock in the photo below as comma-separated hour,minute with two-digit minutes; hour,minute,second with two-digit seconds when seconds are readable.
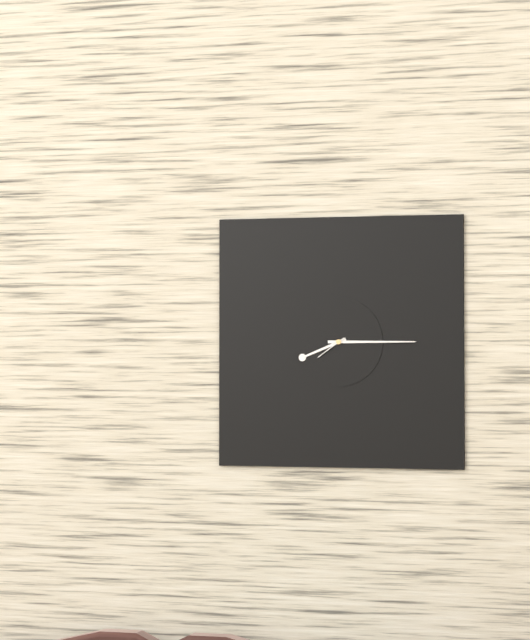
8,15
